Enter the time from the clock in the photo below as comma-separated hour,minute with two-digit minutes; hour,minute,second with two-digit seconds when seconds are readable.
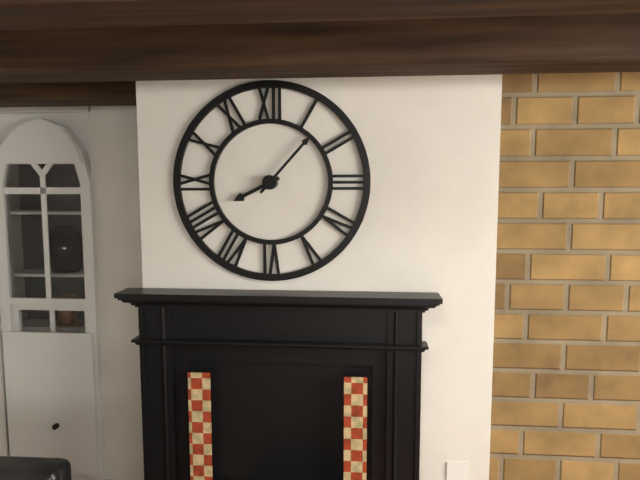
8,07
